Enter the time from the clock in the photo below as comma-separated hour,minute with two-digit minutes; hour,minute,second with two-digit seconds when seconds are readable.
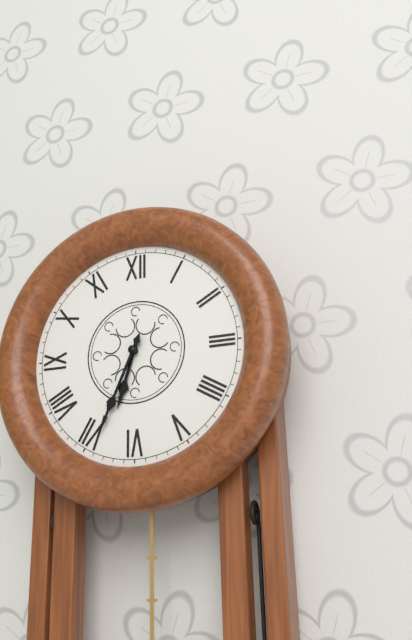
6,34
